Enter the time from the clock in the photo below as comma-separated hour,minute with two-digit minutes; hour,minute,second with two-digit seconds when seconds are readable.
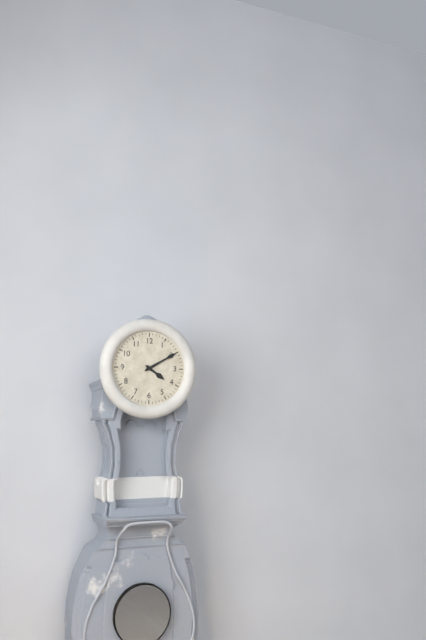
4,10
